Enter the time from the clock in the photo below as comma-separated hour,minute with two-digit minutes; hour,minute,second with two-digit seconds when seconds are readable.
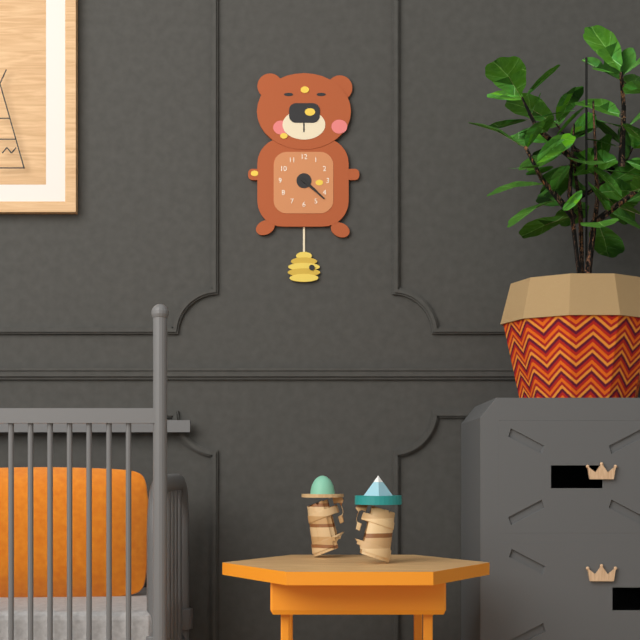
4,22
